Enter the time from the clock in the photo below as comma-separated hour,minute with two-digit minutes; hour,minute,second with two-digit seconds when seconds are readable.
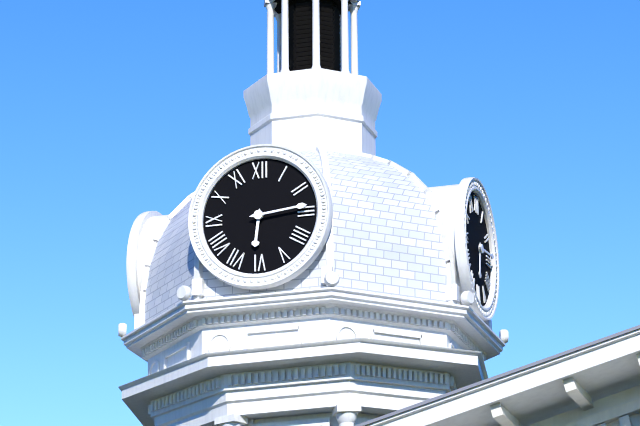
6,14
